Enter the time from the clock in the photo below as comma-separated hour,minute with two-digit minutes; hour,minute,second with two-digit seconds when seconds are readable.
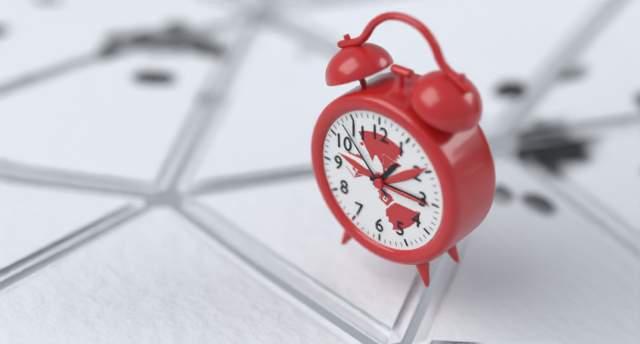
1,15,53
